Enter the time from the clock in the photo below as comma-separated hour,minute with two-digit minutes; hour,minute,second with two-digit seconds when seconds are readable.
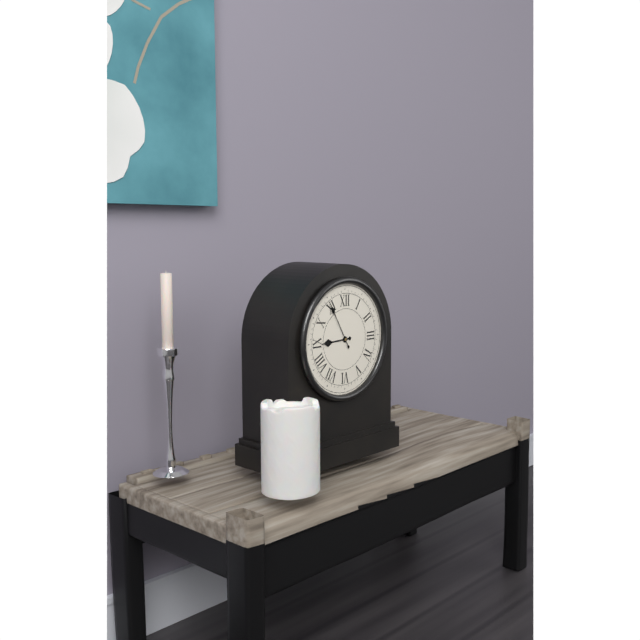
8,55
